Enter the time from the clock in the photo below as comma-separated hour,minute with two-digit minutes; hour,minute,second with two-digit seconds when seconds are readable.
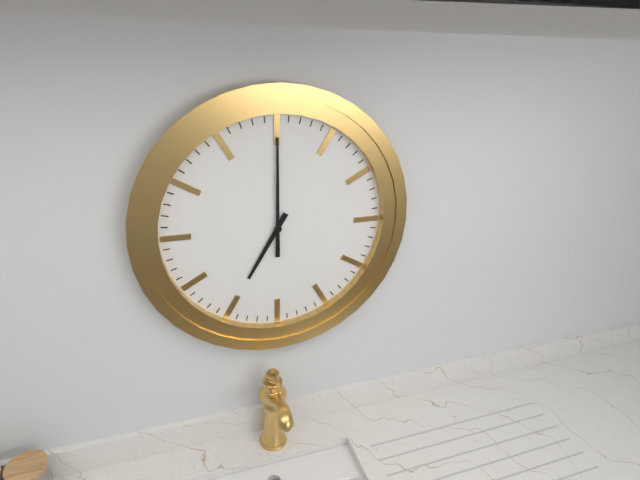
7,00
